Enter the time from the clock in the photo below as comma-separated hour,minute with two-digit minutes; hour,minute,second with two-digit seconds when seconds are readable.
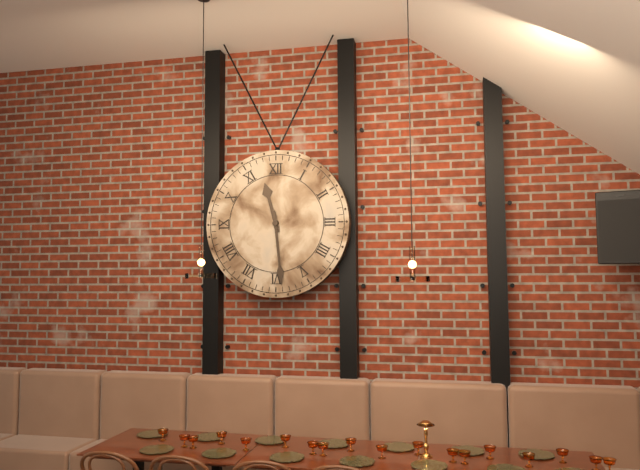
11,29
